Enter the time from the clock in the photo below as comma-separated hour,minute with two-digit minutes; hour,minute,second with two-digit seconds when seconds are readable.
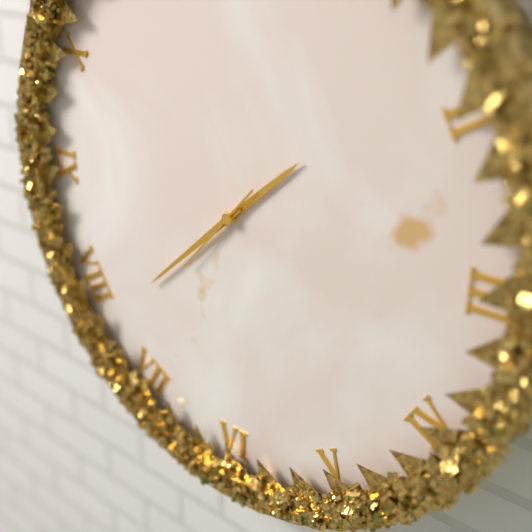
1,38,37
